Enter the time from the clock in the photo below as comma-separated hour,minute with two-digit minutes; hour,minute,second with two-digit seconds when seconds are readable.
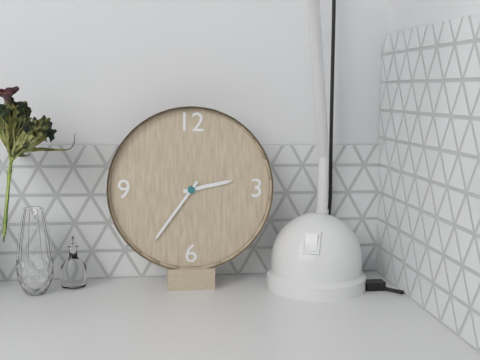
2,36
